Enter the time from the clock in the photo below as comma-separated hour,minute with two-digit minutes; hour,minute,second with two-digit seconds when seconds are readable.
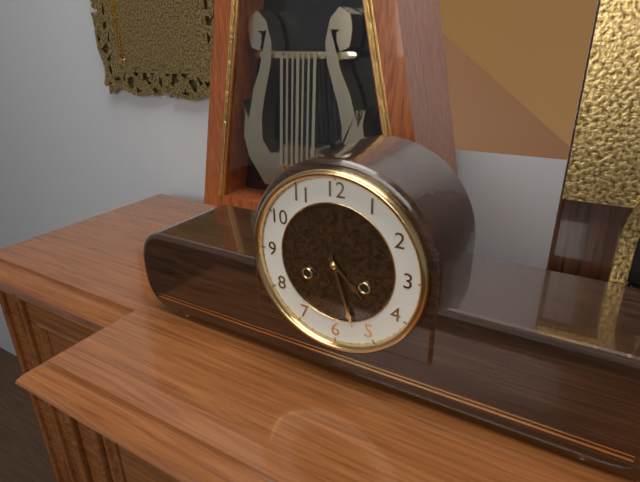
4,27
